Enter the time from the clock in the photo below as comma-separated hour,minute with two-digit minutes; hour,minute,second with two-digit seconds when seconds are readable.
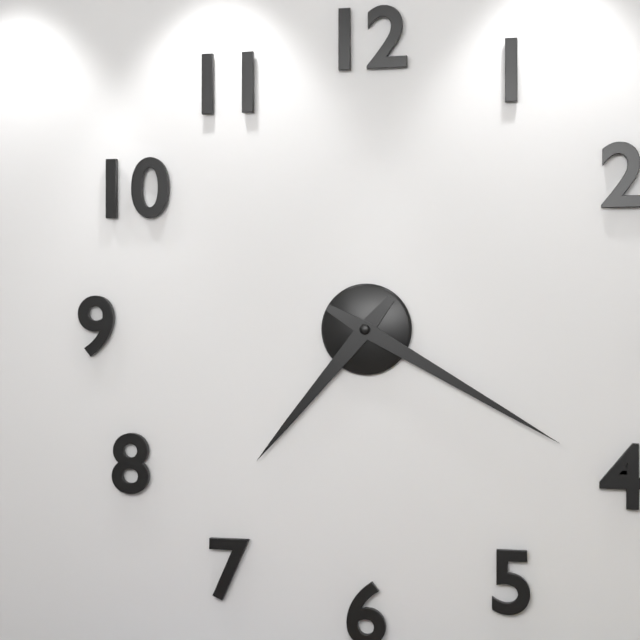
7,20
